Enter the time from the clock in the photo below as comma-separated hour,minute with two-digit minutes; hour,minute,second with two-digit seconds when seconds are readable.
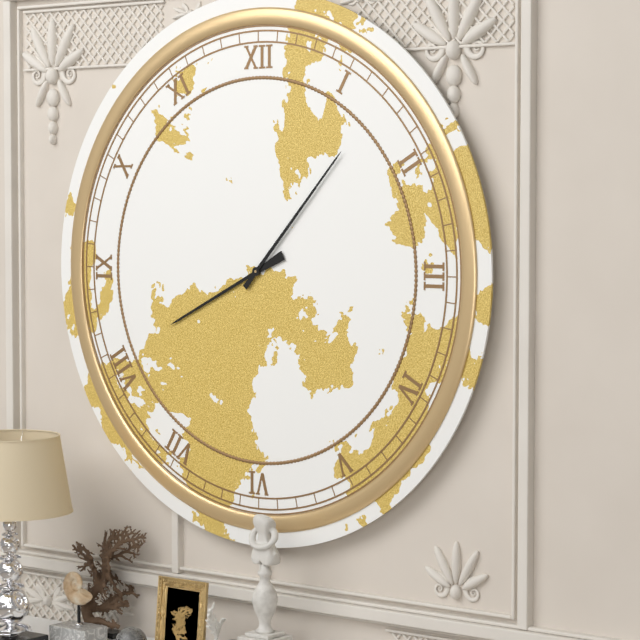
8,07
